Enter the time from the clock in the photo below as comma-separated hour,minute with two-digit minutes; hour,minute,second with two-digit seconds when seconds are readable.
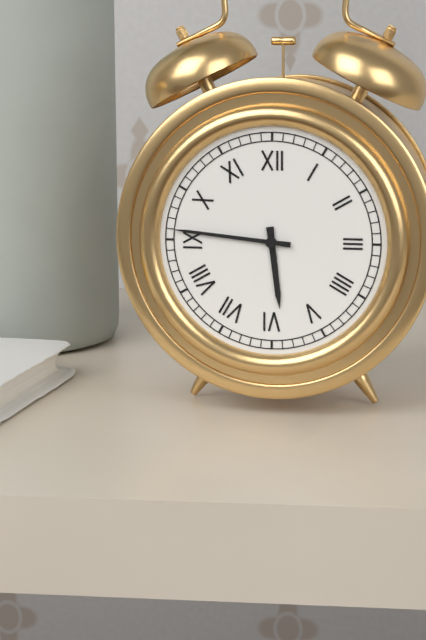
5,46
